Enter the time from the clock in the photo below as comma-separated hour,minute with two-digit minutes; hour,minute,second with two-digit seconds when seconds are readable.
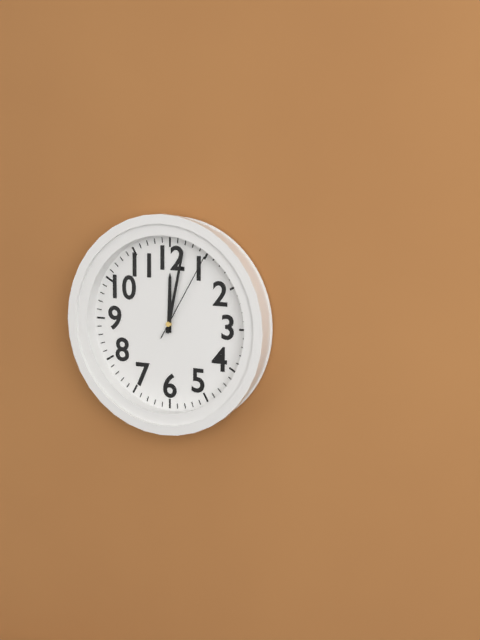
12,02,05
